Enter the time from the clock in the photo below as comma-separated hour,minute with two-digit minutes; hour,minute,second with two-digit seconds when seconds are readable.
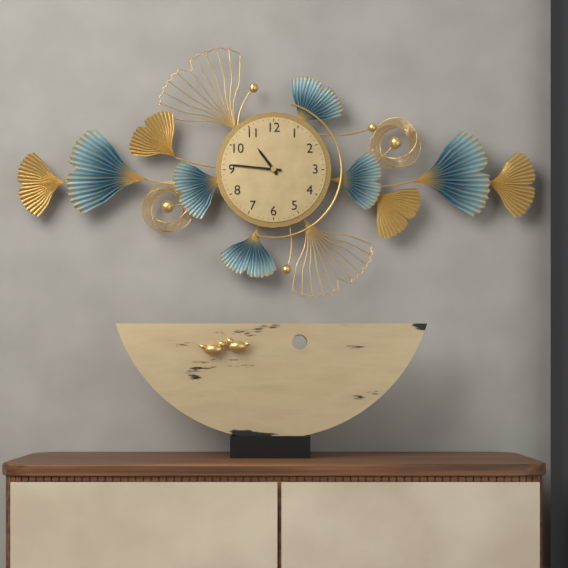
10,46
